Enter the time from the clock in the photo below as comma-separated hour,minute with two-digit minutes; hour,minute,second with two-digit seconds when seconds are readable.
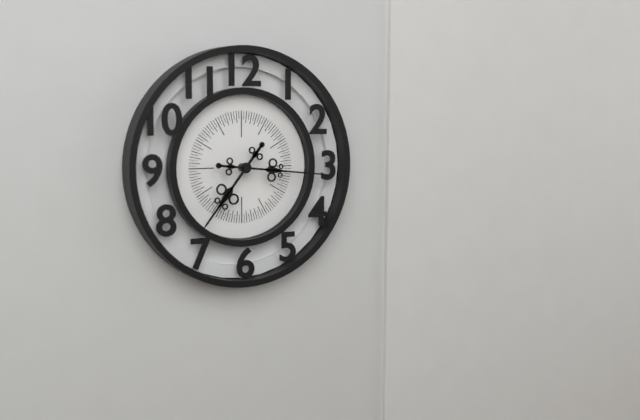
7,16
